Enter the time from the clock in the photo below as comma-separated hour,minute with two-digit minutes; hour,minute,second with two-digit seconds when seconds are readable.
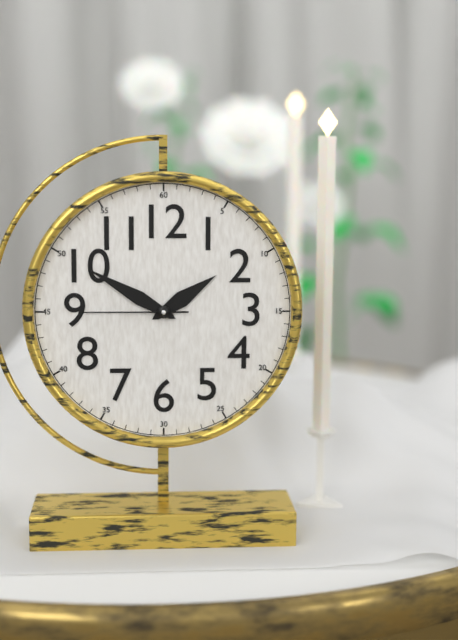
1,50,45
